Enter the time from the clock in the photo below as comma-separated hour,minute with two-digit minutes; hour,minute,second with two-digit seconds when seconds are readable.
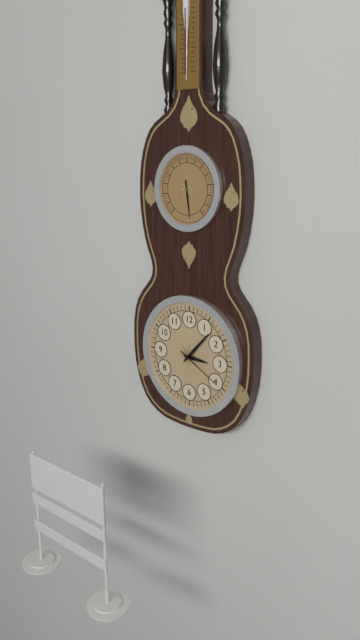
3,07,20
